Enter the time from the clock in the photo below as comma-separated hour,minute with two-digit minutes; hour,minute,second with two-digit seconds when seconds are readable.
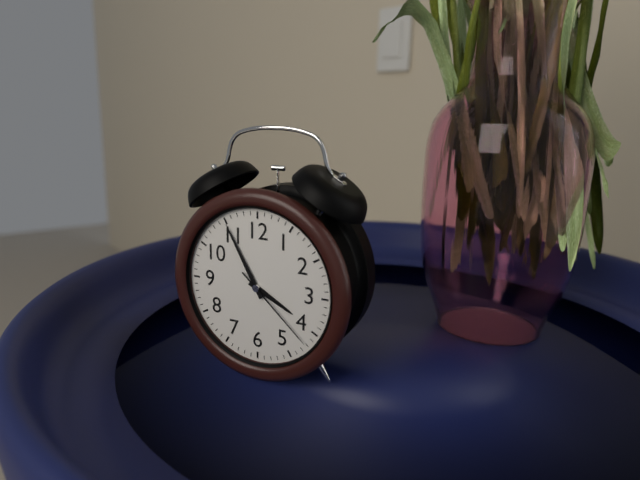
3,55,22
